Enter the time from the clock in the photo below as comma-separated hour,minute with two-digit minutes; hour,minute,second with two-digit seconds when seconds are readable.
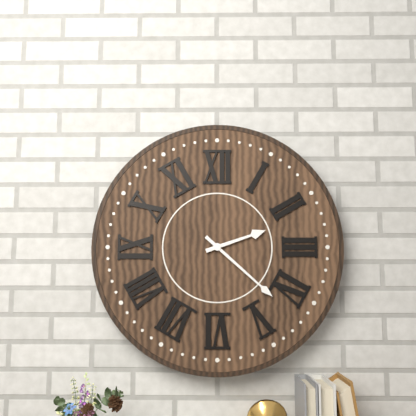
2,22
